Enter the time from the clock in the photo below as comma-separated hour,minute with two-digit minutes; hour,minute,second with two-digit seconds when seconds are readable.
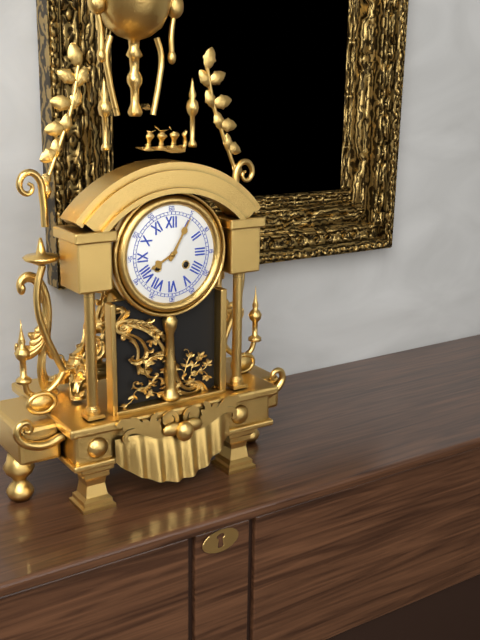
8,05
